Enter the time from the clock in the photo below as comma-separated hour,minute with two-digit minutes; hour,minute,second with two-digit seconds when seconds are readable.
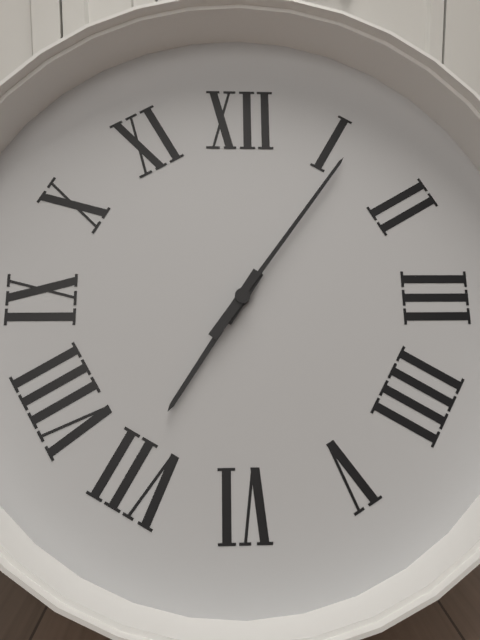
7,06
